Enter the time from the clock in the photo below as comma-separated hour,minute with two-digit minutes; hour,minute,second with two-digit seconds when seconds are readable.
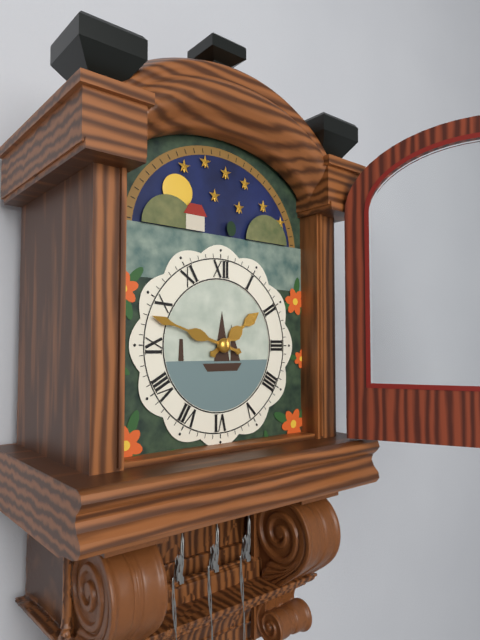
1,48
